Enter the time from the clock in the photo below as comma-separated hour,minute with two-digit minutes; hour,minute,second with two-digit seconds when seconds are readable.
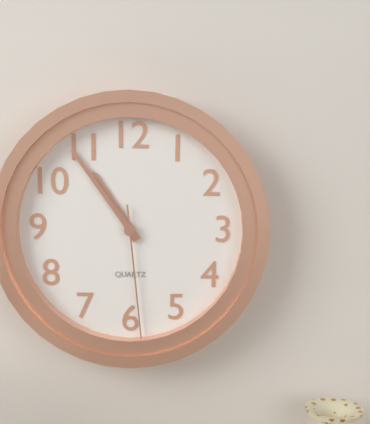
10,54,29
